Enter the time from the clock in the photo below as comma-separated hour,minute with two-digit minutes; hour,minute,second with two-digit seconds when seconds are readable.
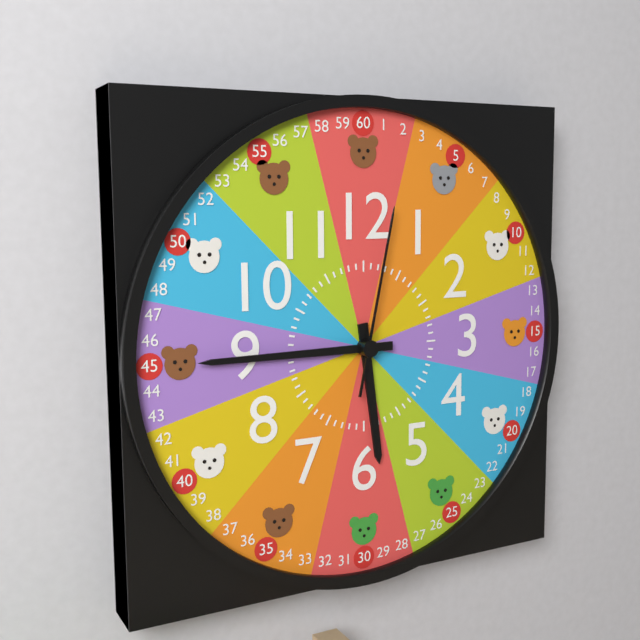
5,45,02
